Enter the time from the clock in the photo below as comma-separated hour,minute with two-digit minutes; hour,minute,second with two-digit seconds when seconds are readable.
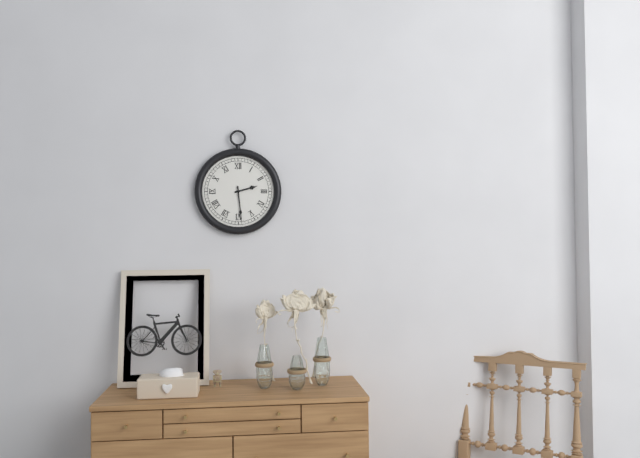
2,29
